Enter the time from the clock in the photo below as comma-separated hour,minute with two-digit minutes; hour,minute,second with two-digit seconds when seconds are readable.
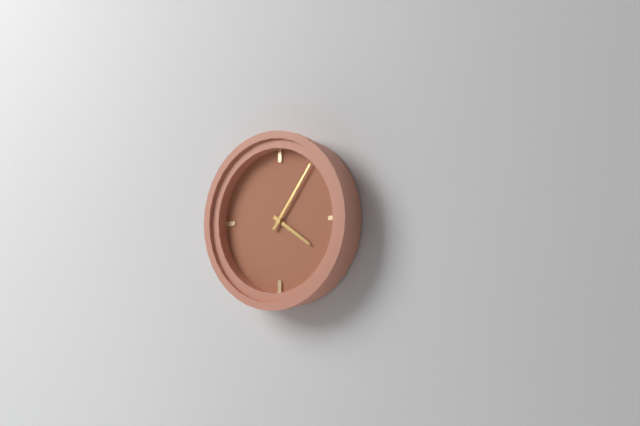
4,06
